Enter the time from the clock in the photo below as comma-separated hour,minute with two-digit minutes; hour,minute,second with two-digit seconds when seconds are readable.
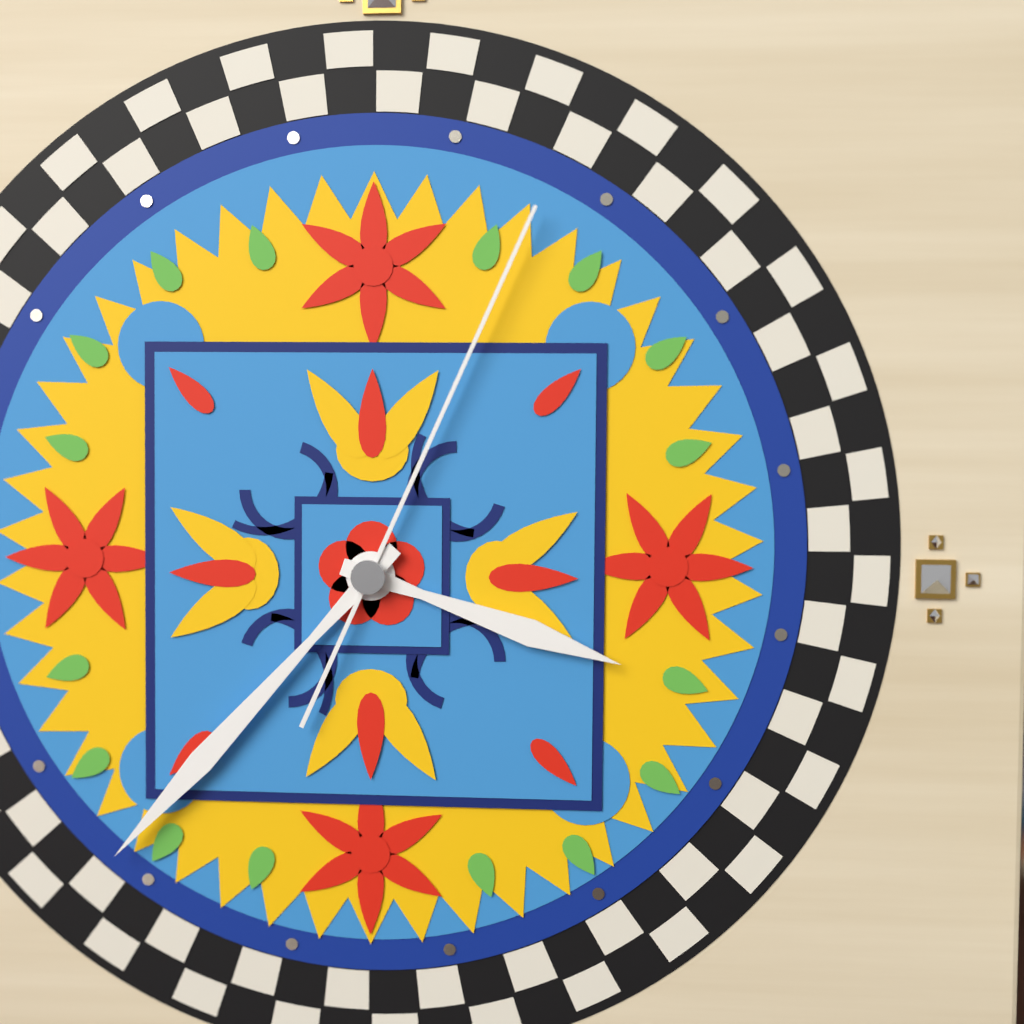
3,37,04
